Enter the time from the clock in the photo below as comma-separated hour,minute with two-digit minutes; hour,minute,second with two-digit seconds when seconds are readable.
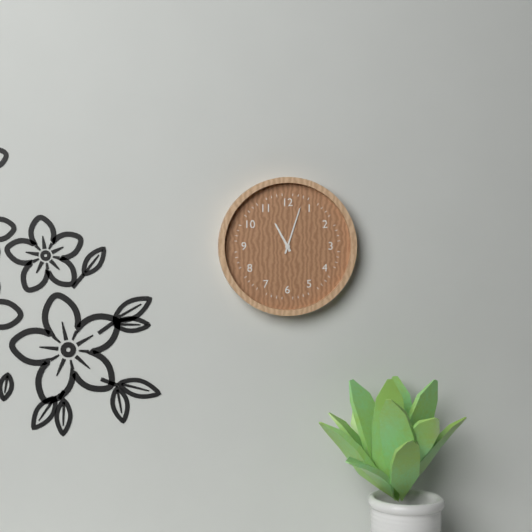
11,03
